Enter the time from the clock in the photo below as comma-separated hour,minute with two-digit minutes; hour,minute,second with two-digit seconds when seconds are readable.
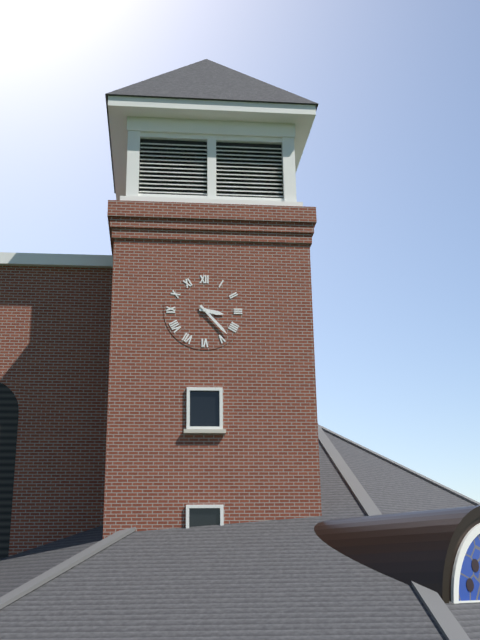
3,23
